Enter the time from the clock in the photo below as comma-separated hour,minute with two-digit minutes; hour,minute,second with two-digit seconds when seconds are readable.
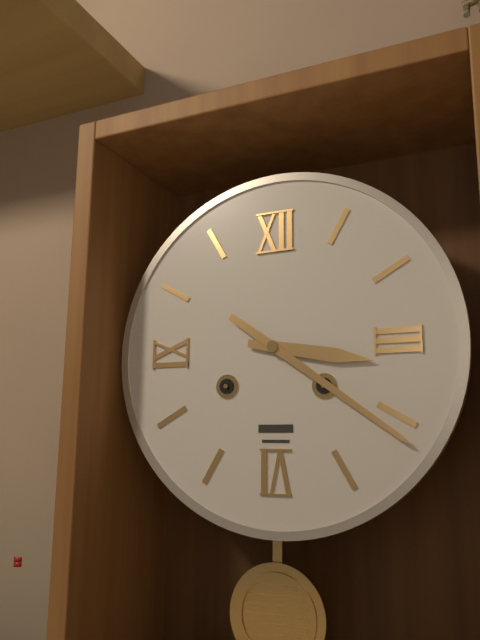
3,21
